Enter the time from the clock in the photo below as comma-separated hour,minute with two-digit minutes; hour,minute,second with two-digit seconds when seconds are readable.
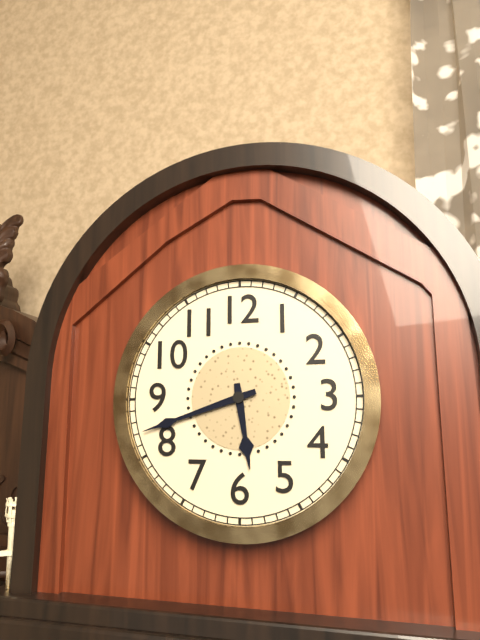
5,42
